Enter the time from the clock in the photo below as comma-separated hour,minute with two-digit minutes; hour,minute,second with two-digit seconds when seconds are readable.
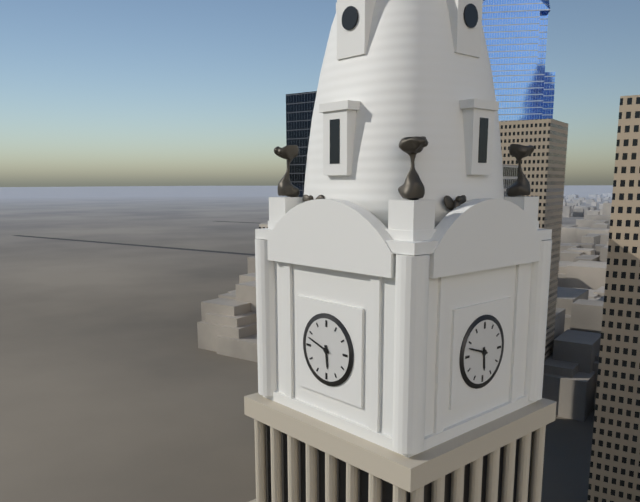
5,48
